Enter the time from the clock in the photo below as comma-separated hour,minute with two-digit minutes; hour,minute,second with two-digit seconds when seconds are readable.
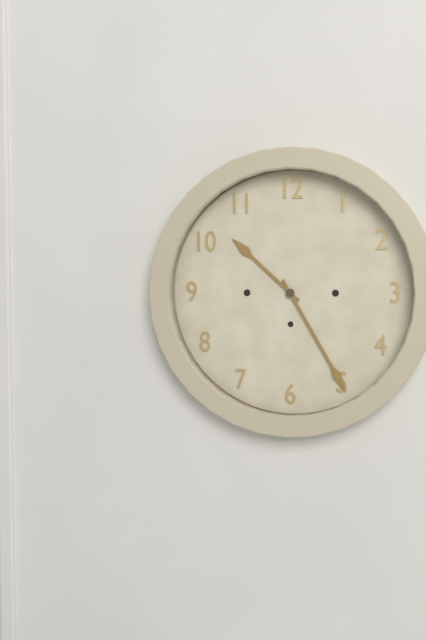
10,25
